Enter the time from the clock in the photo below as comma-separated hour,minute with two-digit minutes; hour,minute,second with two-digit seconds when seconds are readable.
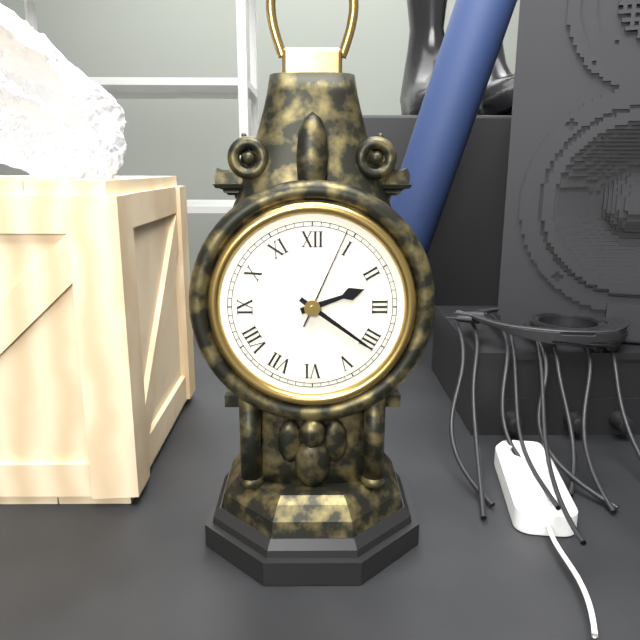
2,21,04
